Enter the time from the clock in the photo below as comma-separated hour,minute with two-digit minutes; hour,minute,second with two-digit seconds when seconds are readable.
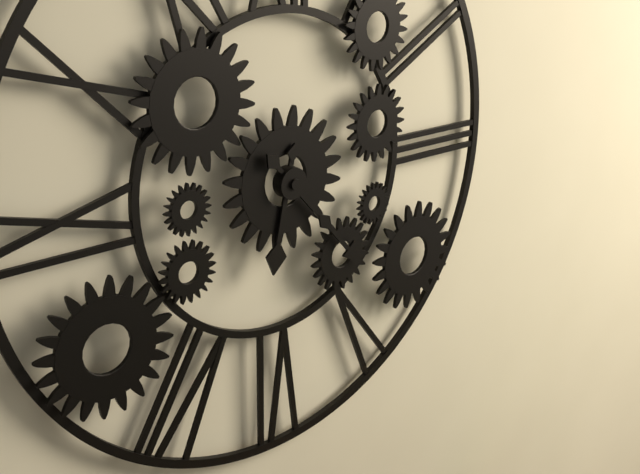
6,23
